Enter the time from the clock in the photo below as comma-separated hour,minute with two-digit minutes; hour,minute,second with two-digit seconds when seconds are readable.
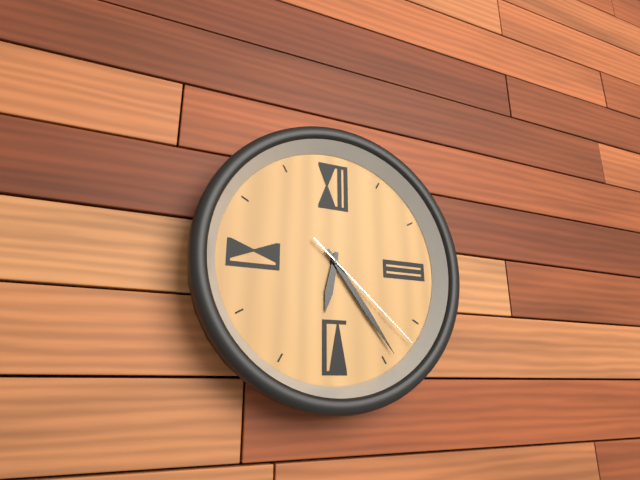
6,24,22
